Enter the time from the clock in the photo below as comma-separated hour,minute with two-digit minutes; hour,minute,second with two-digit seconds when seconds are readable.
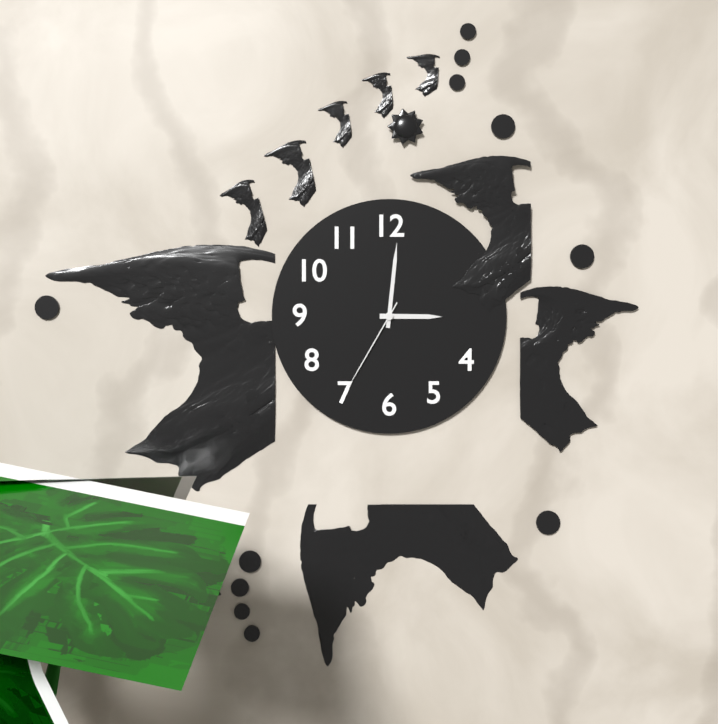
3,01,35
